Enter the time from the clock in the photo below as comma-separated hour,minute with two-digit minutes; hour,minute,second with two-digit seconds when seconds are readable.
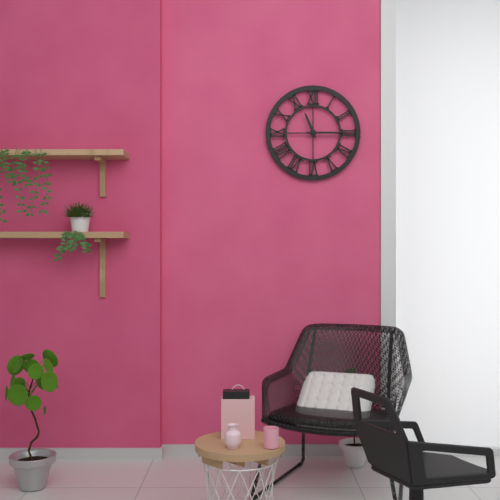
11,15
